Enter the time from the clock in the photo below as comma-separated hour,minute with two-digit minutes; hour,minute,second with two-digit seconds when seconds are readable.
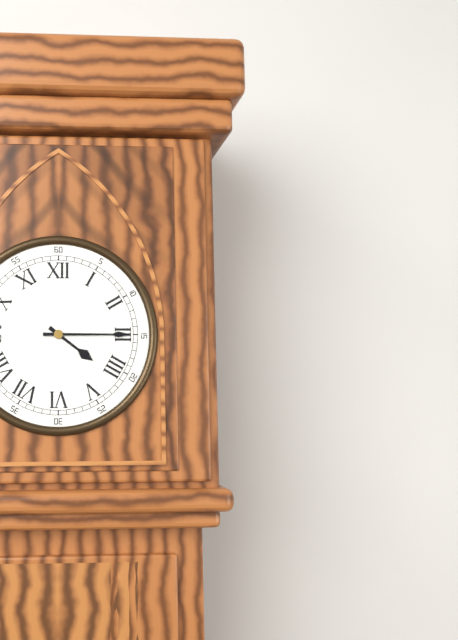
4,15
